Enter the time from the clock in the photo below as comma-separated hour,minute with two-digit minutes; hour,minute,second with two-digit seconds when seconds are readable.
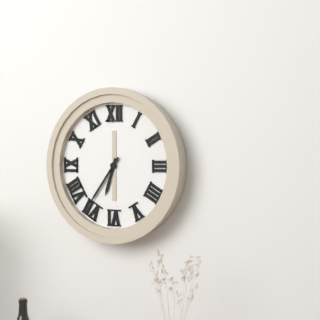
6,36
